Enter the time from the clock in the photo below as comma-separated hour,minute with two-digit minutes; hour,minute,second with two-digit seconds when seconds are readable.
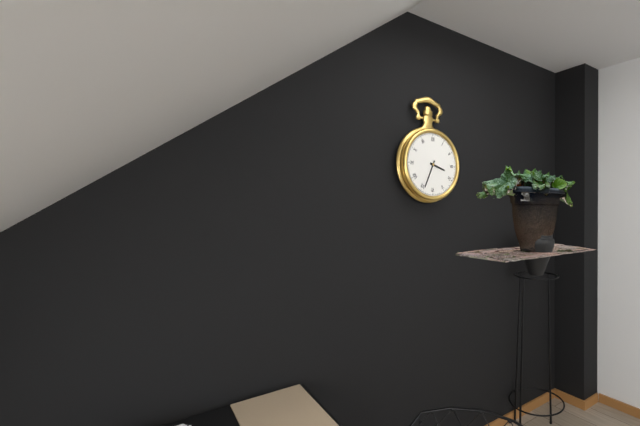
3,34
